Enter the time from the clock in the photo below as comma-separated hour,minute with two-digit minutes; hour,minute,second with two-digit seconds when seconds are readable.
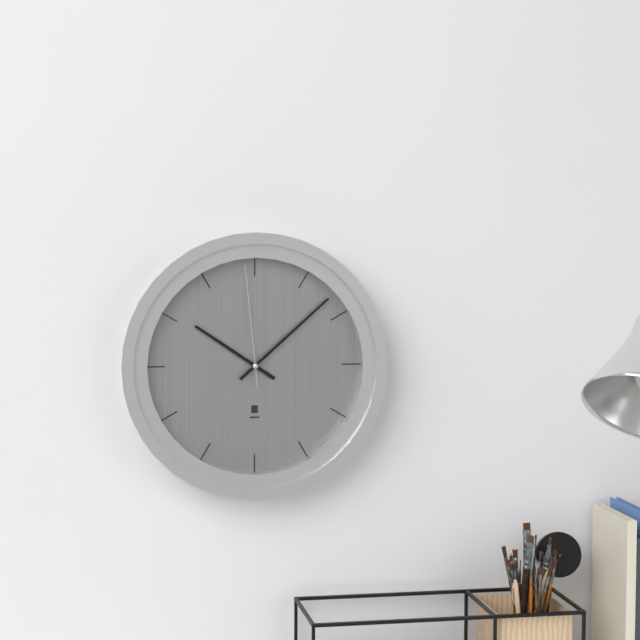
10,08,59
